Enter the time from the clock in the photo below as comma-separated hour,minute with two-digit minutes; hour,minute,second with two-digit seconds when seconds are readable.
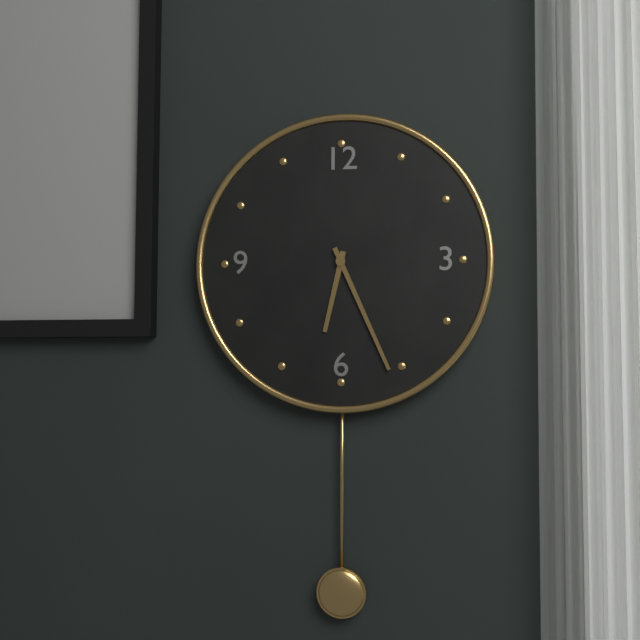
6,26
